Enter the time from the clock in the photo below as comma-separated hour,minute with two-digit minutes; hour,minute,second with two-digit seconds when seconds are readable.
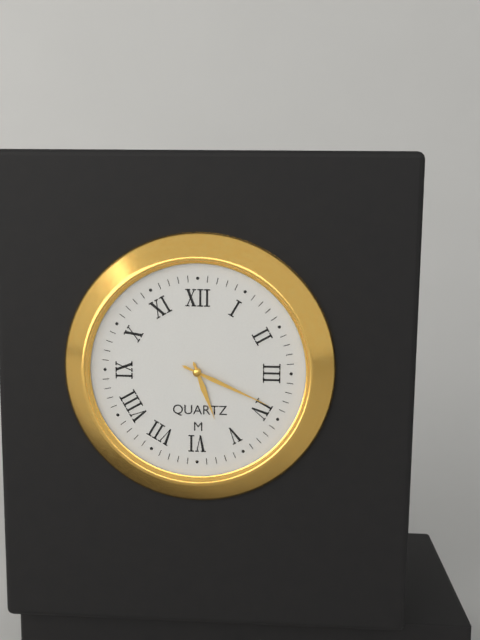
5,19
